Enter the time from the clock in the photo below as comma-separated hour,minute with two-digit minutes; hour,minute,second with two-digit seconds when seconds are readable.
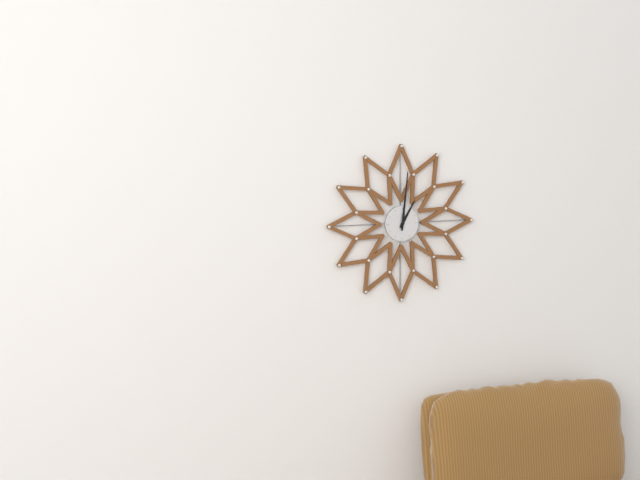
1,01
